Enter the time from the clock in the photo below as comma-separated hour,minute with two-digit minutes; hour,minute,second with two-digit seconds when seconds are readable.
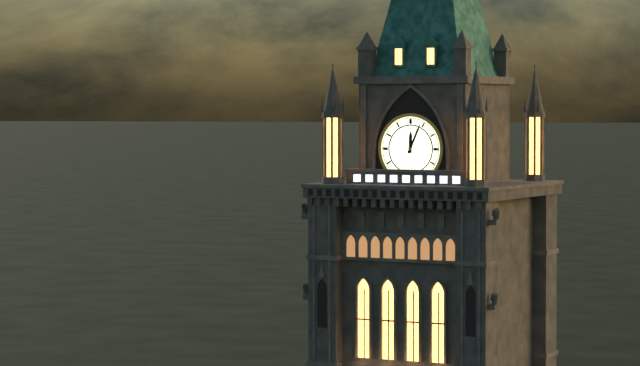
12,04
